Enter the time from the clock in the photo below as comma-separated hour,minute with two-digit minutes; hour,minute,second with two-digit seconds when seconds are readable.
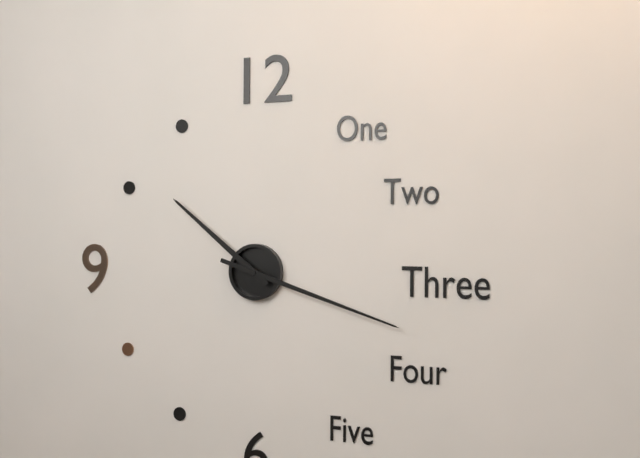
10,18
